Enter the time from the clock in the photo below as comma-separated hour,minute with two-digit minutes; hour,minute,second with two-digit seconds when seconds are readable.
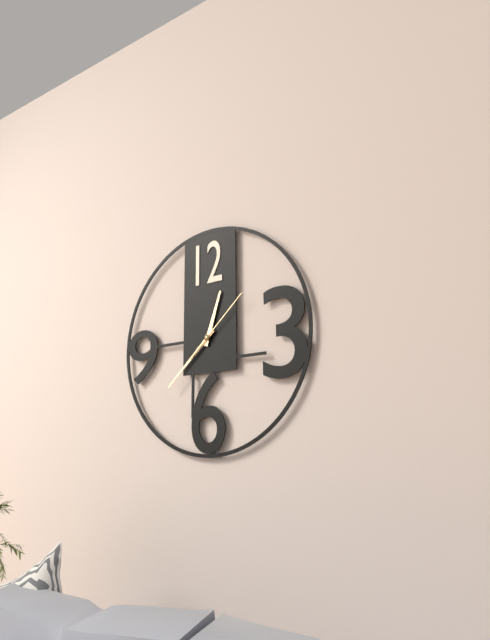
12,38,08
